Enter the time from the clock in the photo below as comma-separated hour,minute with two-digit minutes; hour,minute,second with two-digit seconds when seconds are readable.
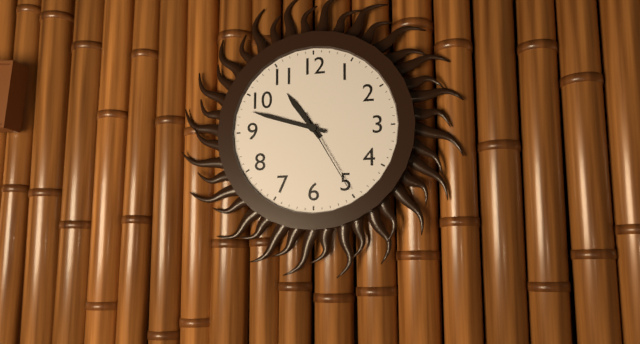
10,48,25
